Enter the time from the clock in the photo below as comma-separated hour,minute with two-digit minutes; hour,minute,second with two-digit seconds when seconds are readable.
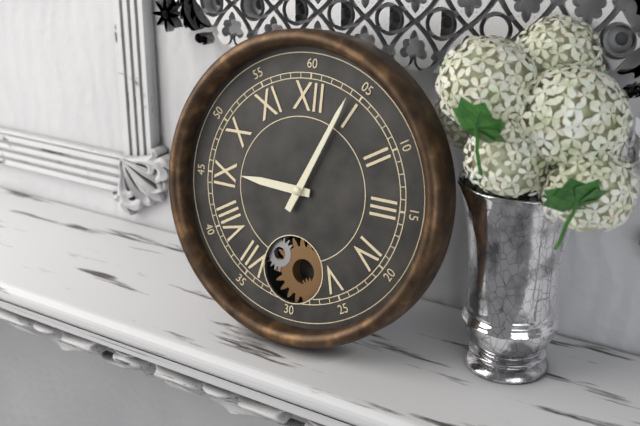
9,04
